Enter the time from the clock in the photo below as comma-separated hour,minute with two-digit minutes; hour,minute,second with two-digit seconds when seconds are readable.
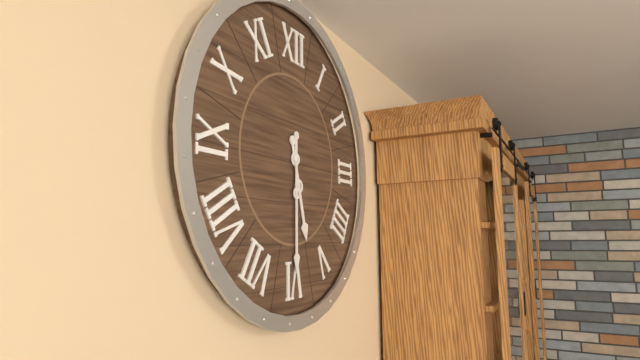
5,30
